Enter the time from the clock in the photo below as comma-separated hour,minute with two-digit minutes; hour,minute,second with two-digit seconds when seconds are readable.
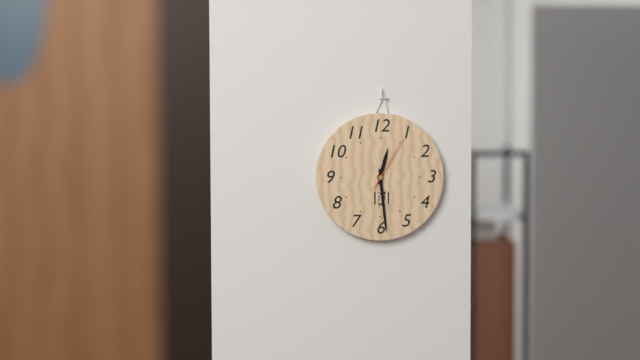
12,29,05
